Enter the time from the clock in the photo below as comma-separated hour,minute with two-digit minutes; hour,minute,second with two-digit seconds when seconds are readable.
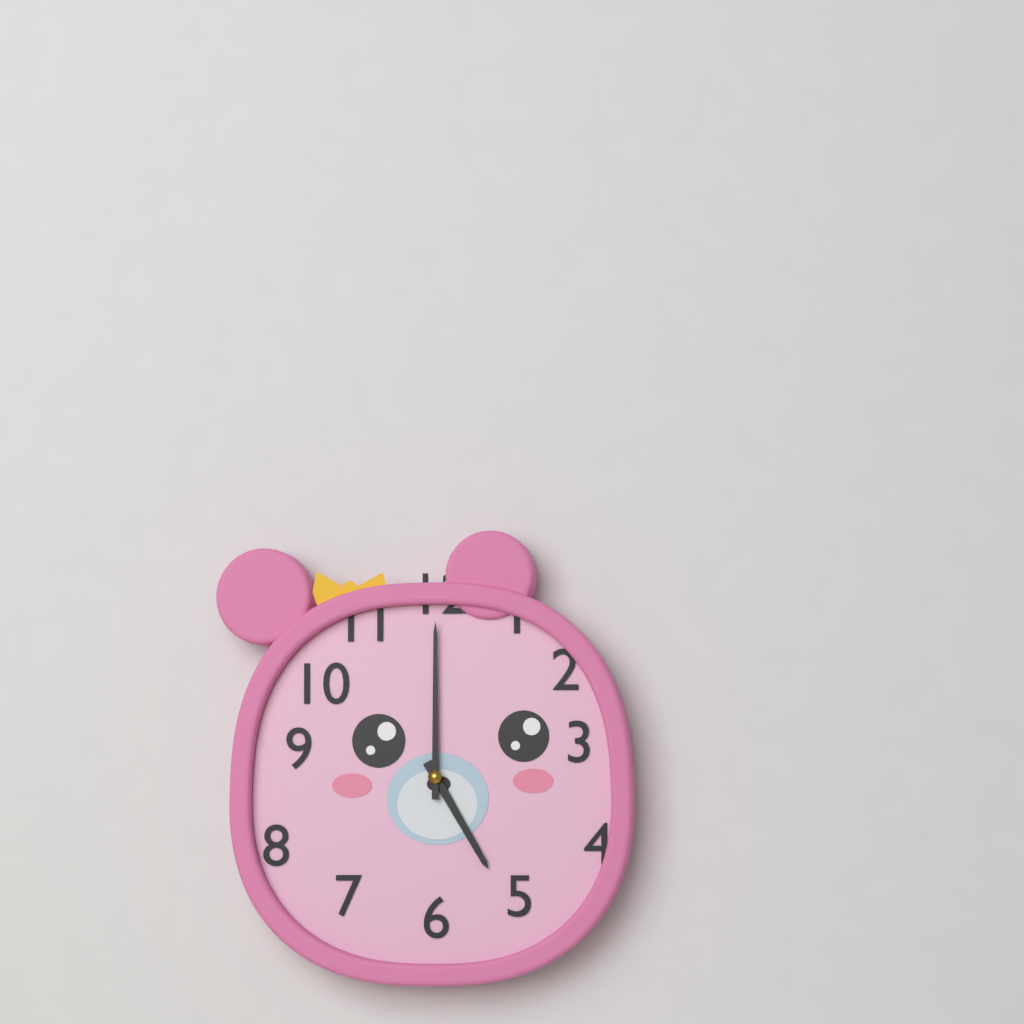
5,00
